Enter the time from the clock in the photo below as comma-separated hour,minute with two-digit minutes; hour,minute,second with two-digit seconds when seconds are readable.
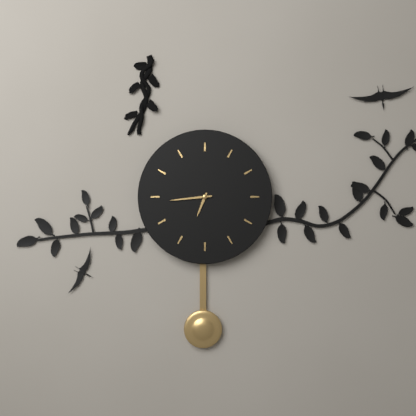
6,44
